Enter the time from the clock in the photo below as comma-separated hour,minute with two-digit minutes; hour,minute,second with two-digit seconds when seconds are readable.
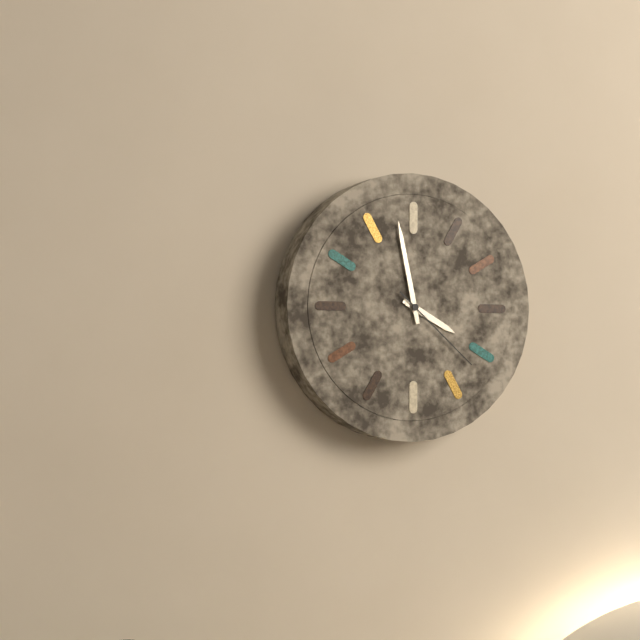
3,58,22
